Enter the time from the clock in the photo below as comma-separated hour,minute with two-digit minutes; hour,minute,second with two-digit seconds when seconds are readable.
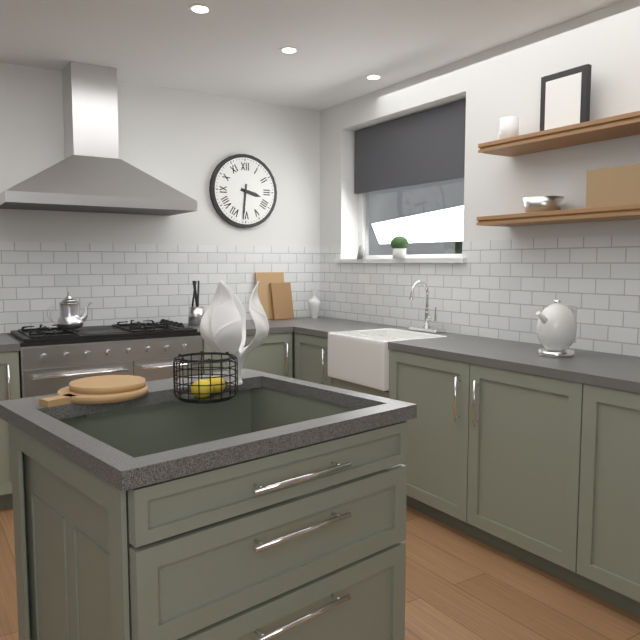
3,31
